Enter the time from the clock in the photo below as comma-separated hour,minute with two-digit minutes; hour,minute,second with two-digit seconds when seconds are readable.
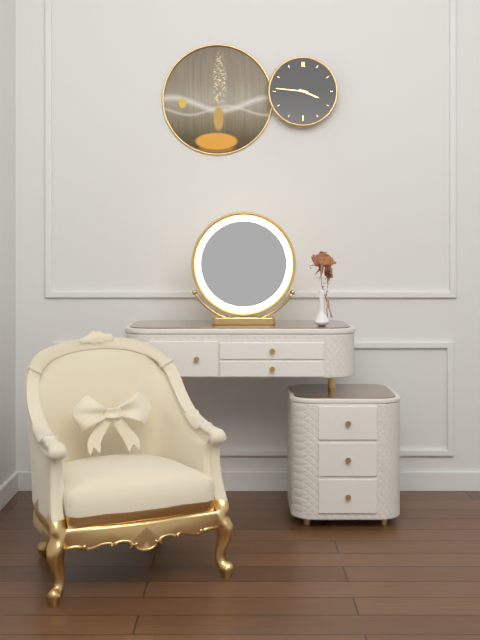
3,46
